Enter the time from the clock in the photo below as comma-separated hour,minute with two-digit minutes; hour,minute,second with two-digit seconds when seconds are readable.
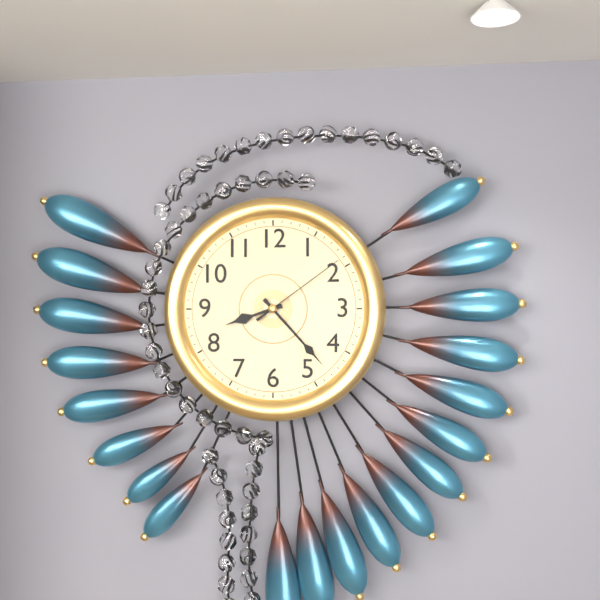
8,23,09
